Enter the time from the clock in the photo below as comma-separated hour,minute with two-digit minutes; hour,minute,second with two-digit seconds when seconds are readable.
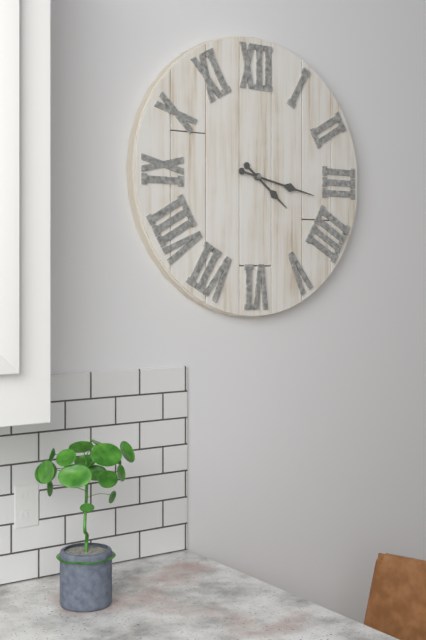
4,17
